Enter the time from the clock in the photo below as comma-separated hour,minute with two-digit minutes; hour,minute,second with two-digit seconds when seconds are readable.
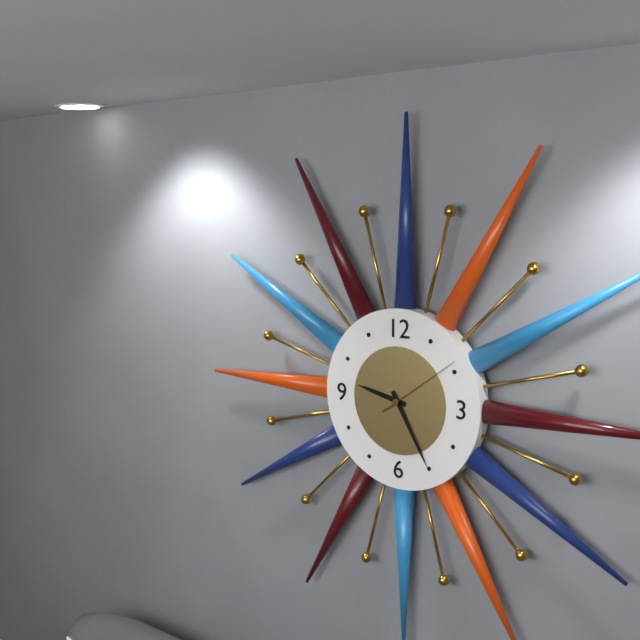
9,25,09
